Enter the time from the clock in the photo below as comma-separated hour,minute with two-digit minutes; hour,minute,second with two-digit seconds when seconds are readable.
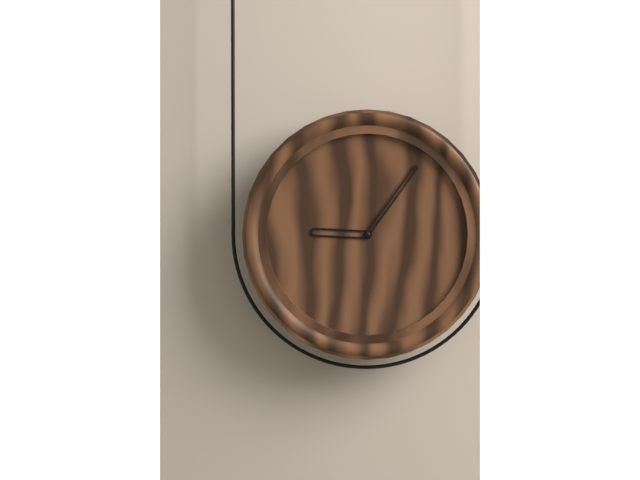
9,06
